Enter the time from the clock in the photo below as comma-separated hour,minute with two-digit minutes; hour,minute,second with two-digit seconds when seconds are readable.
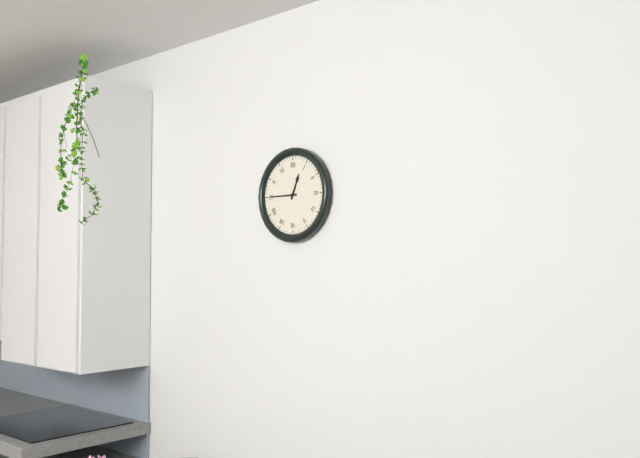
12,45
